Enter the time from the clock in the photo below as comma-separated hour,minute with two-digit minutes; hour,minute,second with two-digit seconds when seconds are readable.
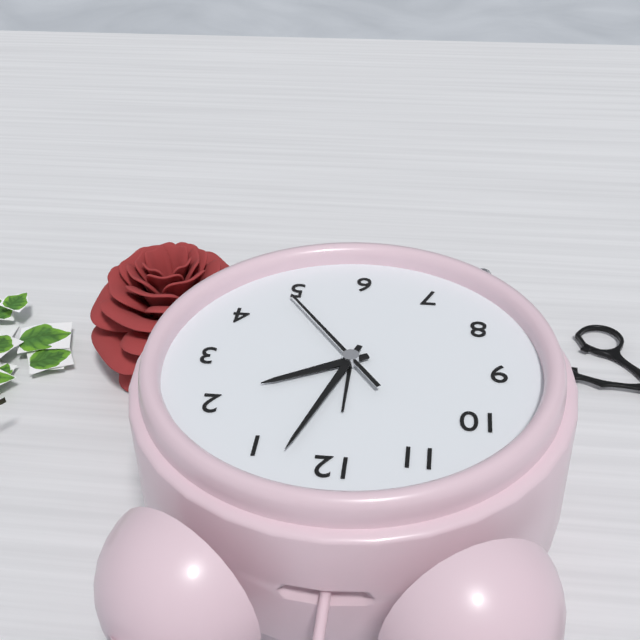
2,03,24
